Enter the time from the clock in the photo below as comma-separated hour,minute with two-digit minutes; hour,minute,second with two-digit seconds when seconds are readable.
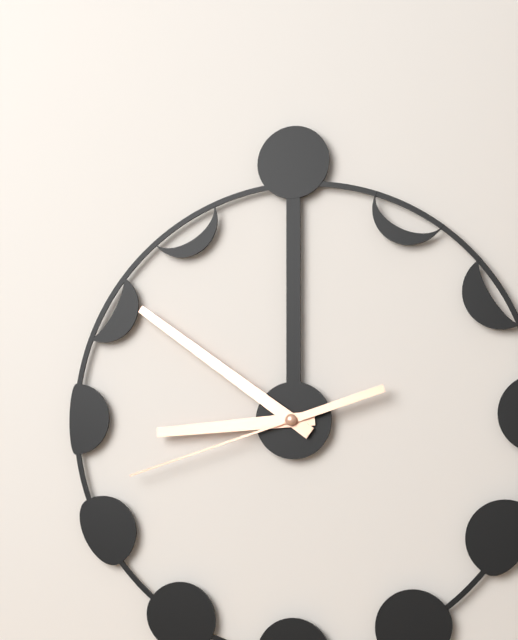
8,51,42
